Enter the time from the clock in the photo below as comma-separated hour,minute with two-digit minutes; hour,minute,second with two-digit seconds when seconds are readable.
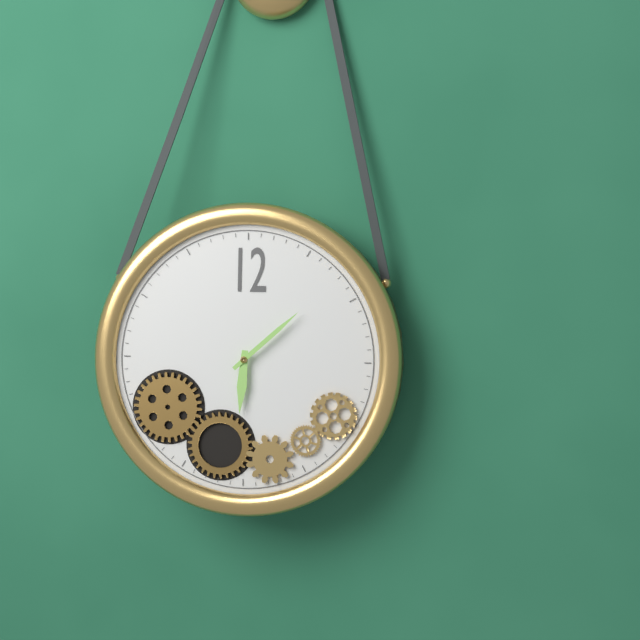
6,08
